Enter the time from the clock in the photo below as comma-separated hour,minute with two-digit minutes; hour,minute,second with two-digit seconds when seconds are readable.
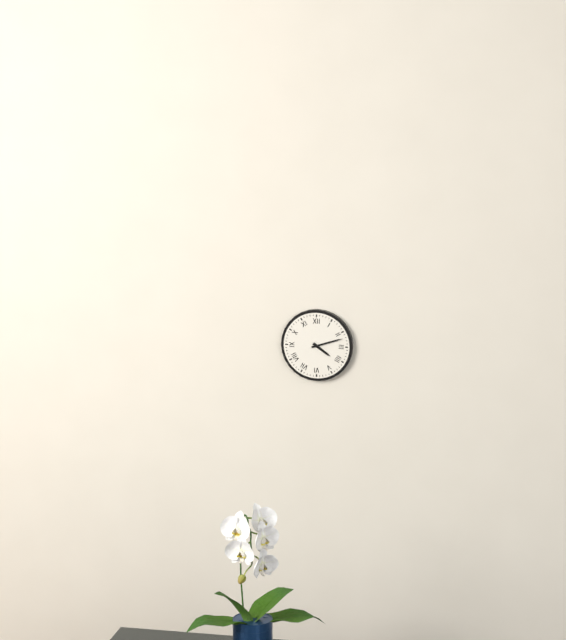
4,12
